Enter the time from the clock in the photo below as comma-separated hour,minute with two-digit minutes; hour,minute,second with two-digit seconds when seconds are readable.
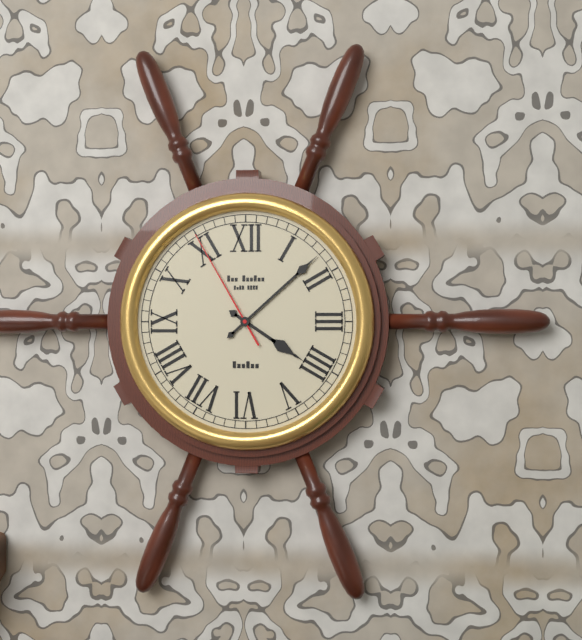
4,08,55
